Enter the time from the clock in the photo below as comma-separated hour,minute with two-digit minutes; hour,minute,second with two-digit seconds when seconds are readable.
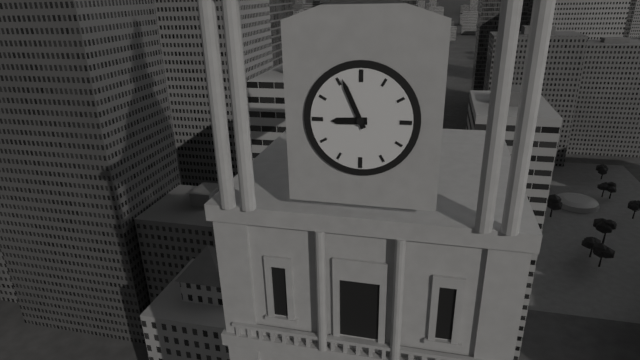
8,56
